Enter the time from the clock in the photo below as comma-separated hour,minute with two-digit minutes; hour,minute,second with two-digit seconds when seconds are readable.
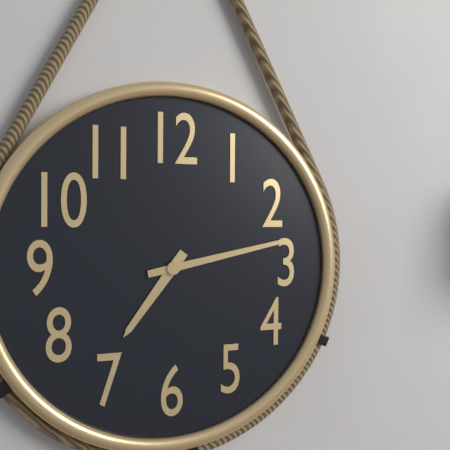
7,13
